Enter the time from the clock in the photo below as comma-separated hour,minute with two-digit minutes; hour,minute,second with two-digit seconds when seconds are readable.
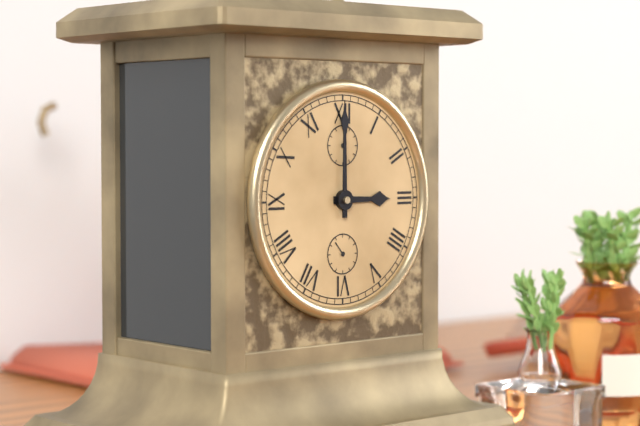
3,00
